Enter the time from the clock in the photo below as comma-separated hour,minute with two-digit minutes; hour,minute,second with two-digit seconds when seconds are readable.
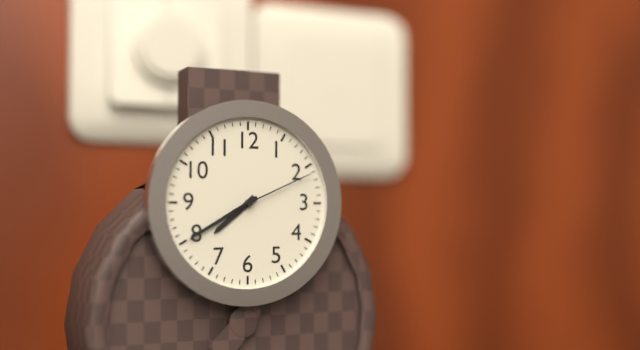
7,40,11
